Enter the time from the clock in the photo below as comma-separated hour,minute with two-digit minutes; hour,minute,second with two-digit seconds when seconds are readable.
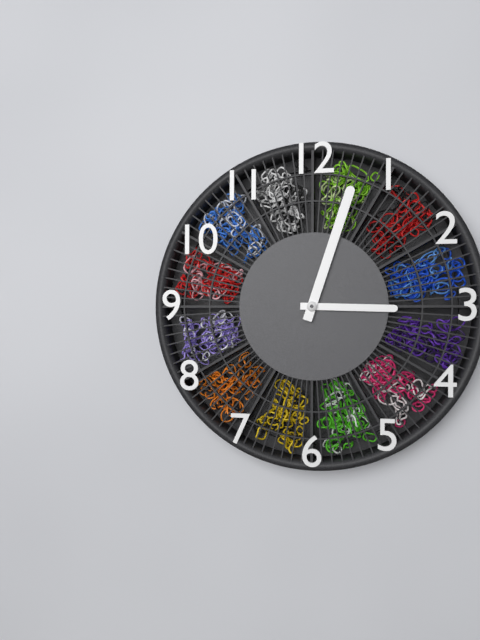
3,03
